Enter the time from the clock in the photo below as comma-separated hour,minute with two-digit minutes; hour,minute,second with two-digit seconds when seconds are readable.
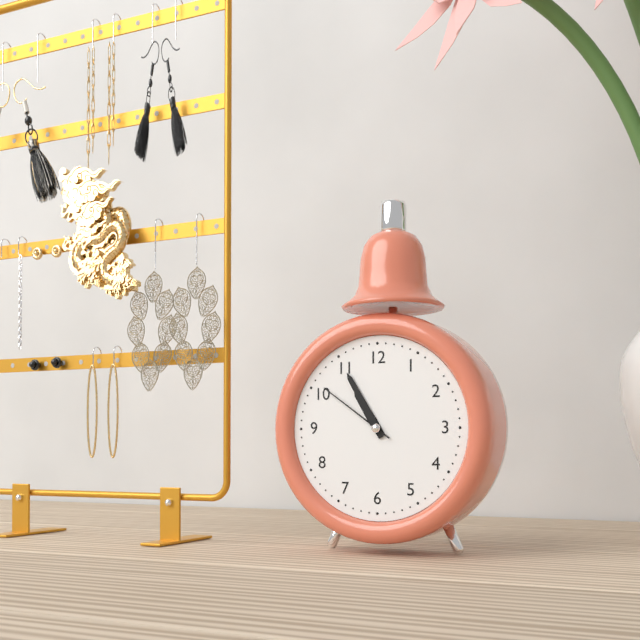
10,55,51
